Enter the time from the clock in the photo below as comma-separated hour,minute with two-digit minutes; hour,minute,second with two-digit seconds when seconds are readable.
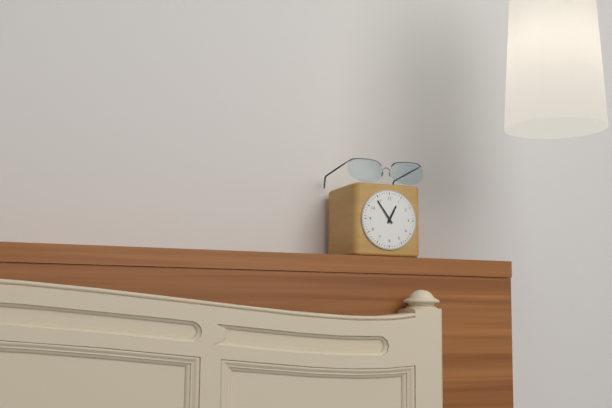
12,54
